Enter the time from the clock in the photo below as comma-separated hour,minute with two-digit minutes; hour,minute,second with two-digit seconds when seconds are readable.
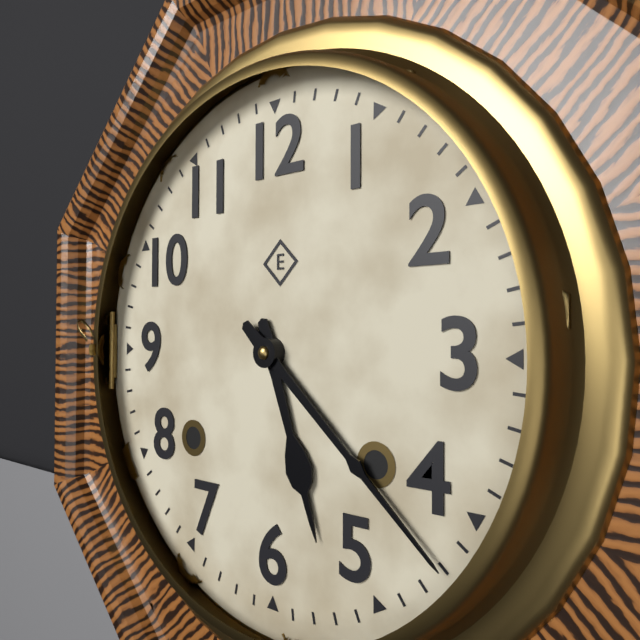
5,22
